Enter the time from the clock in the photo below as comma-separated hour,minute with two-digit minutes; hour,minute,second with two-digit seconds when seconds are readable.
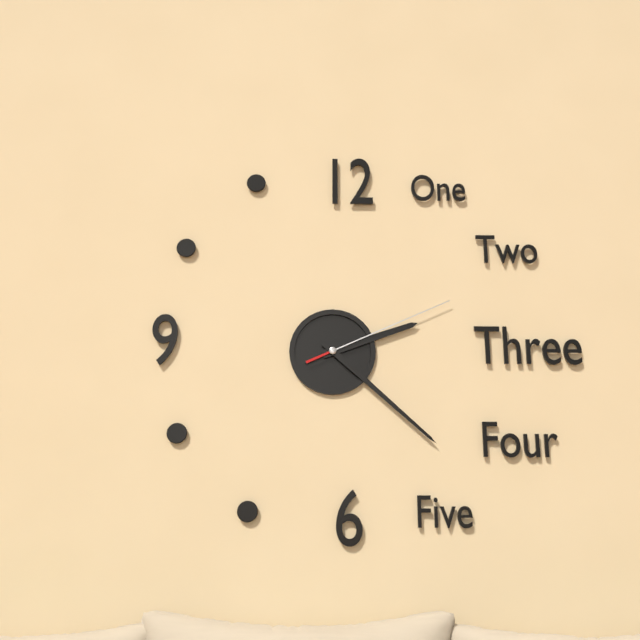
2,22,11
